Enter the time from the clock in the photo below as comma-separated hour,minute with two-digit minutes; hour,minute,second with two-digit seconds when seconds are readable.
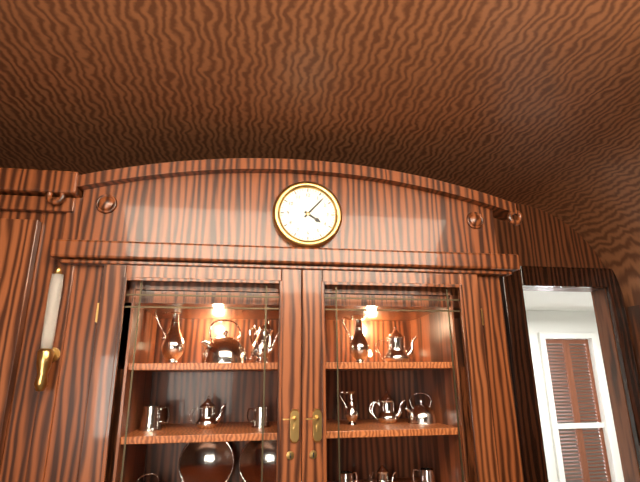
4,07
